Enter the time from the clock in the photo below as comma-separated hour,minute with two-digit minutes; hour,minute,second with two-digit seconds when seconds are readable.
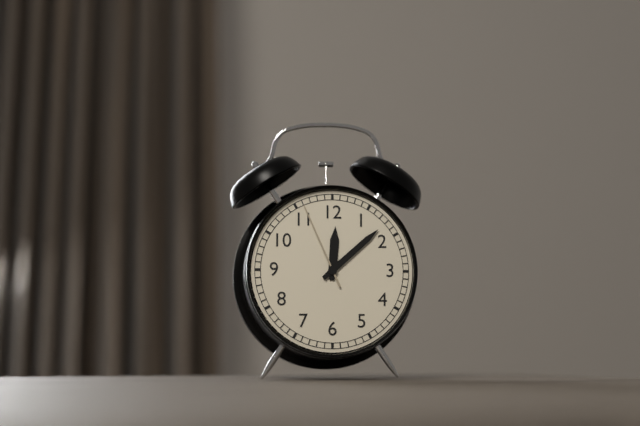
12,08,56
